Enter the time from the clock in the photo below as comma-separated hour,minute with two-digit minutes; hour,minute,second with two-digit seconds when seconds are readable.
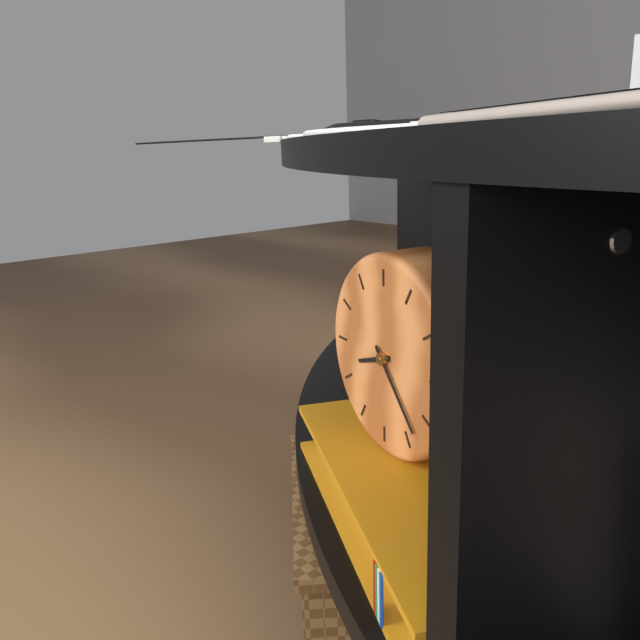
8,23
